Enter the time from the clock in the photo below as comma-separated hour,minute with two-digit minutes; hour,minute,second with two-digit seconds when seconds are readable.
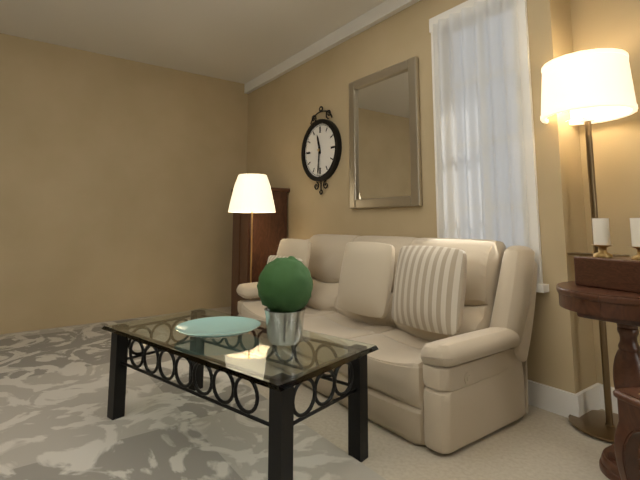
11,31
